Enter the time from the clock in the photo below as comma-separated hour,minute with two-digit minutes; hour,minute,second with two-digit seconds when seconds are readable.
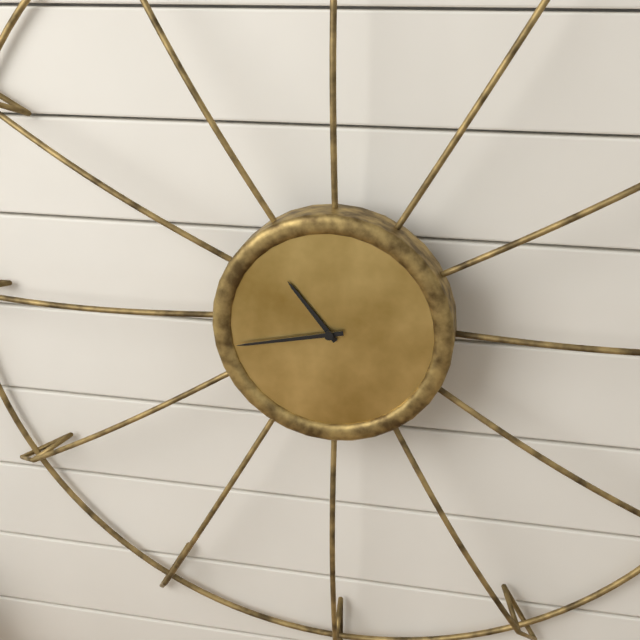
10,43
